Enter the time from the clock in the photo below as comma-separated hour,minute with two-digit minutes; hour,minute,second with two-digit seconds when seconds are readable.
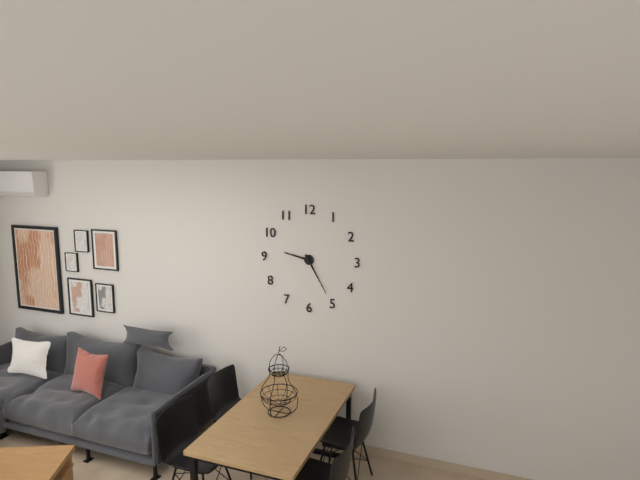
9,25
